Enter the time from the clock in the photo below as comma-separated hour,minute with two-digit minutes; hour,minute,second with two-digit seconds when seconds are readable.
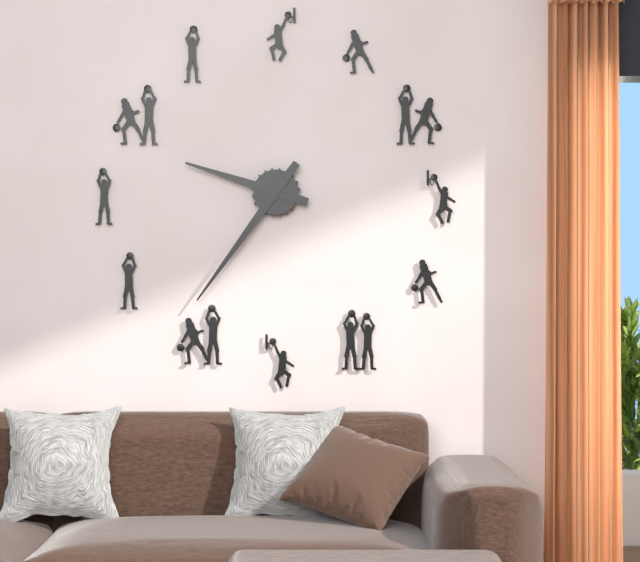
9,36
